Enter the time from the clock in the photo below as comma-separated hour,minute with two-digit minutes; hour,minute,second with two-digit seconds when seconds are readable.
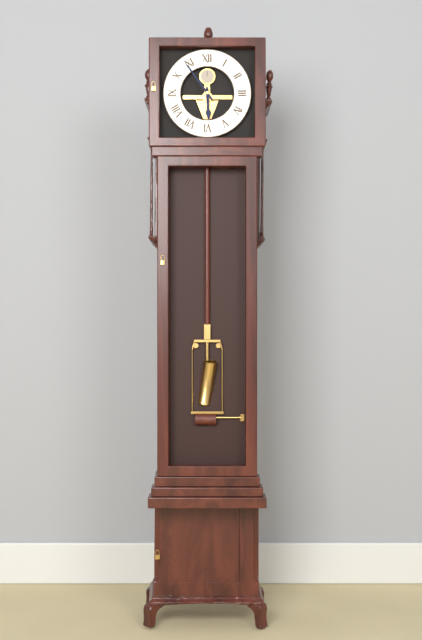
5,54
